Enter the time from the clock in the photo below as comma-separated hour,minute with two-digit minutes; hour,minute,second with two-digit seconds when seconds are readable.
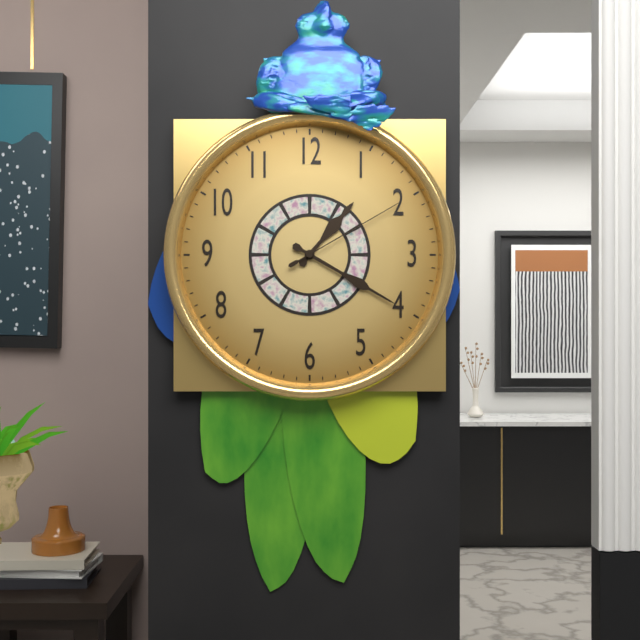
1,20,10
